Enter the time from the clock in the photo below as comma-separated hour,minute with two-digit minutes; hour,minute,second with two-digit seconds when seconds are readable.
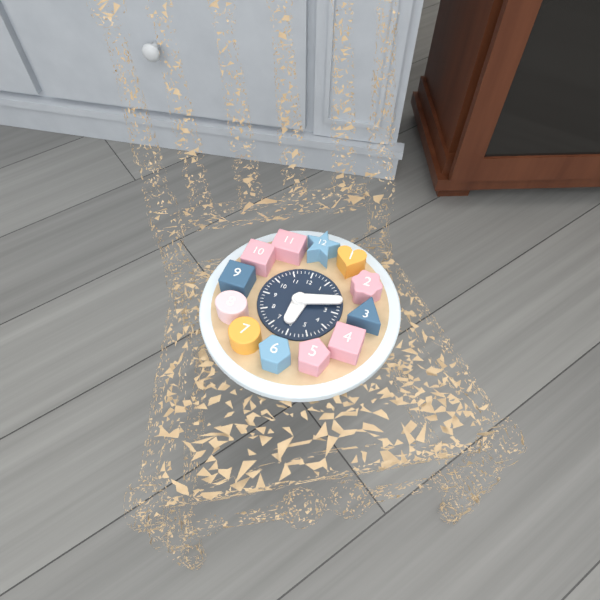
6,12
